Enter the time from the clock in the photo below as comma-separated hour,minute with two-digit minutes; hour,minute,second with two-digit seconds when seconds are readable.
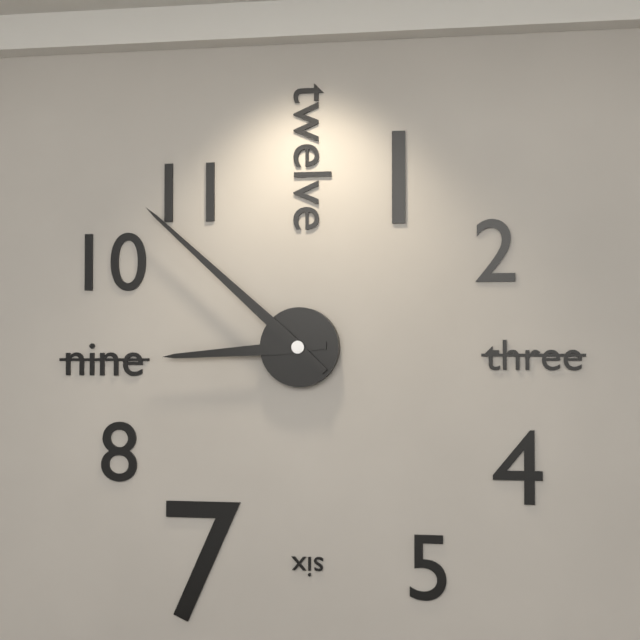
8,52
